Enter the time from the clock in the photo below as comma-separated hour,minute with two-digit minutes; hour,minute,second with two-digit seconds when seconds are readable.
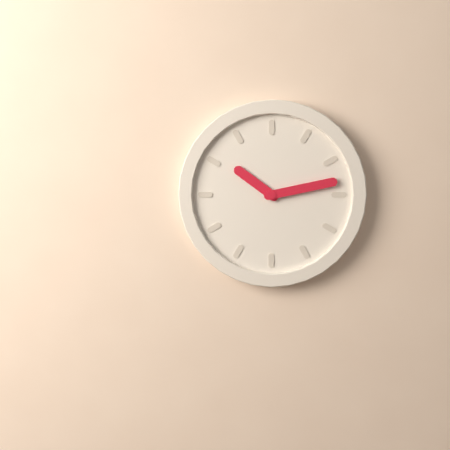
10,13
